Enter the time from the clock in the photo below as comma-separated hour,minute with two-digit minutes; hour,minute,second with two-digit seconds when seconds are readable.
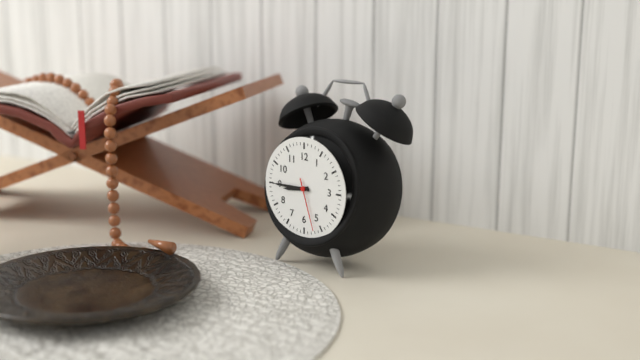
8,45,27
